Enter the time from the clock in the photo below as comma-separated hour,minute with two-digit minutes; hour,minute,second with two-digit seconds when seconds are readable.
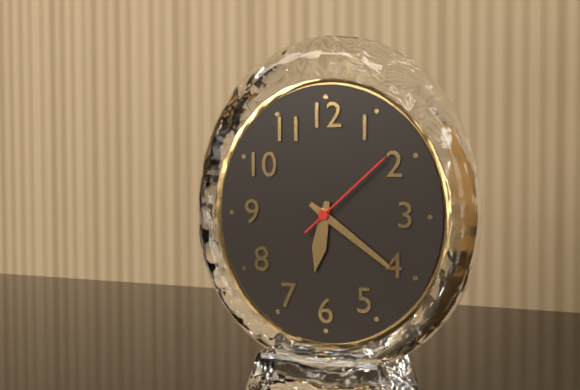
6,21,08
